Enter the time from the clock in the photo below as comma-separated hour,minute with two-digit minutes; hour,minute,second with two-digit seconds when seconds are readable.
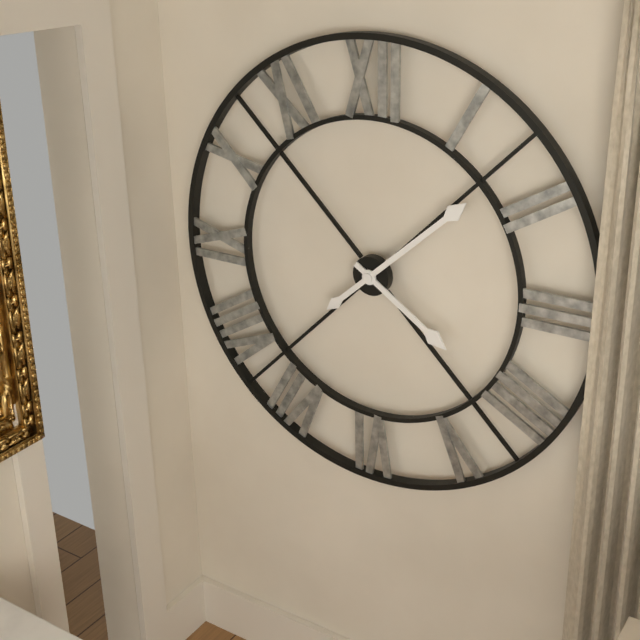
4,08
